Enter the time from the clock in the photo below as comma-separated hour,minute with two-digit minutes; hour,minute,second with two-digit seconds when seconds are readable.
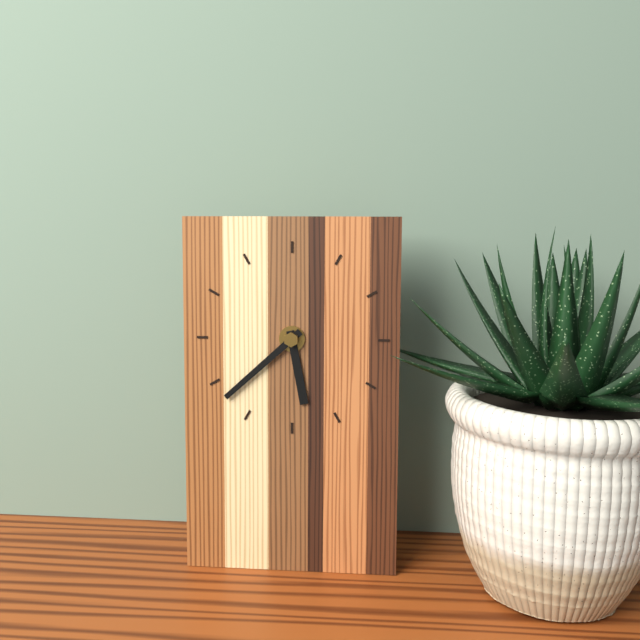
5,38
